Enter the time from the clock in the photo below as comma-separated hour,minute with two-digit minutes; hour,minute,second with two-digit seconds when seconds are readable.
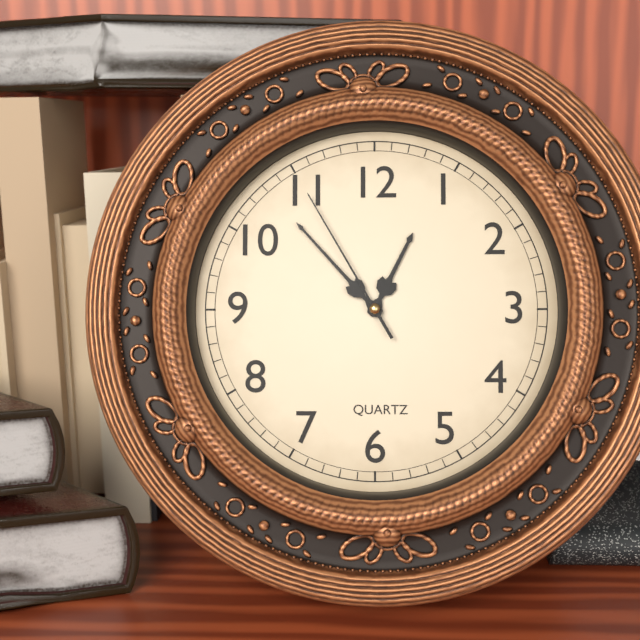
12,53,55
